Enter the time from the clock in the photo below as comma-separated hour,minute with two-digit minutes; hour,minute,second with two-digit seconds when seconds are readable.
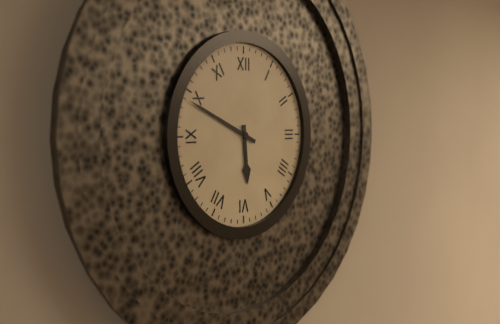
5,49
